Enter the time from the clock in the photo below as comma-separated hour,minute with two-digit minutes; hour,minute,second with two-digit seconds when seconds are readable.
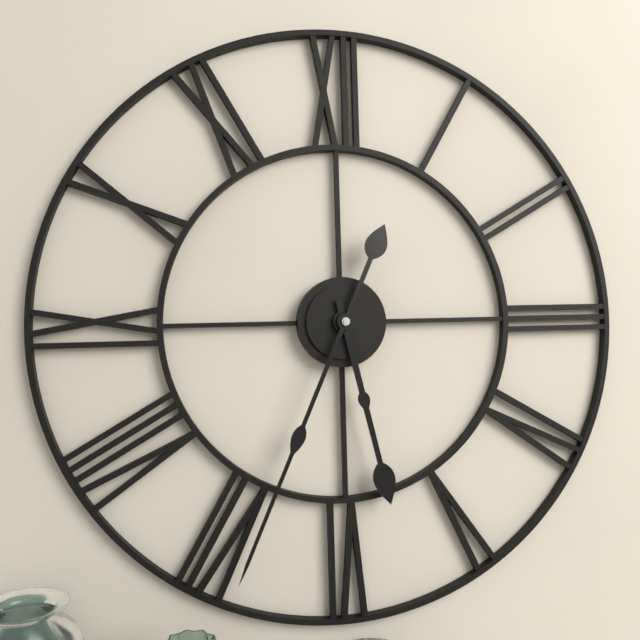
5,34
